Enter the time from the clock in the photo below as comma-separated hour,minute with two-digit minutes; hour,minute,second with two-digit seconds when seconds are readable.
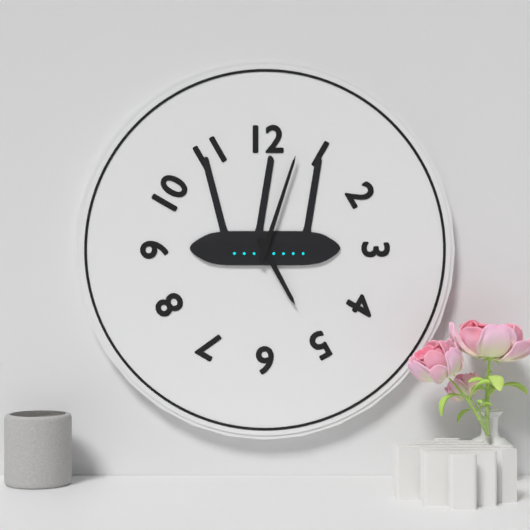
5,03
